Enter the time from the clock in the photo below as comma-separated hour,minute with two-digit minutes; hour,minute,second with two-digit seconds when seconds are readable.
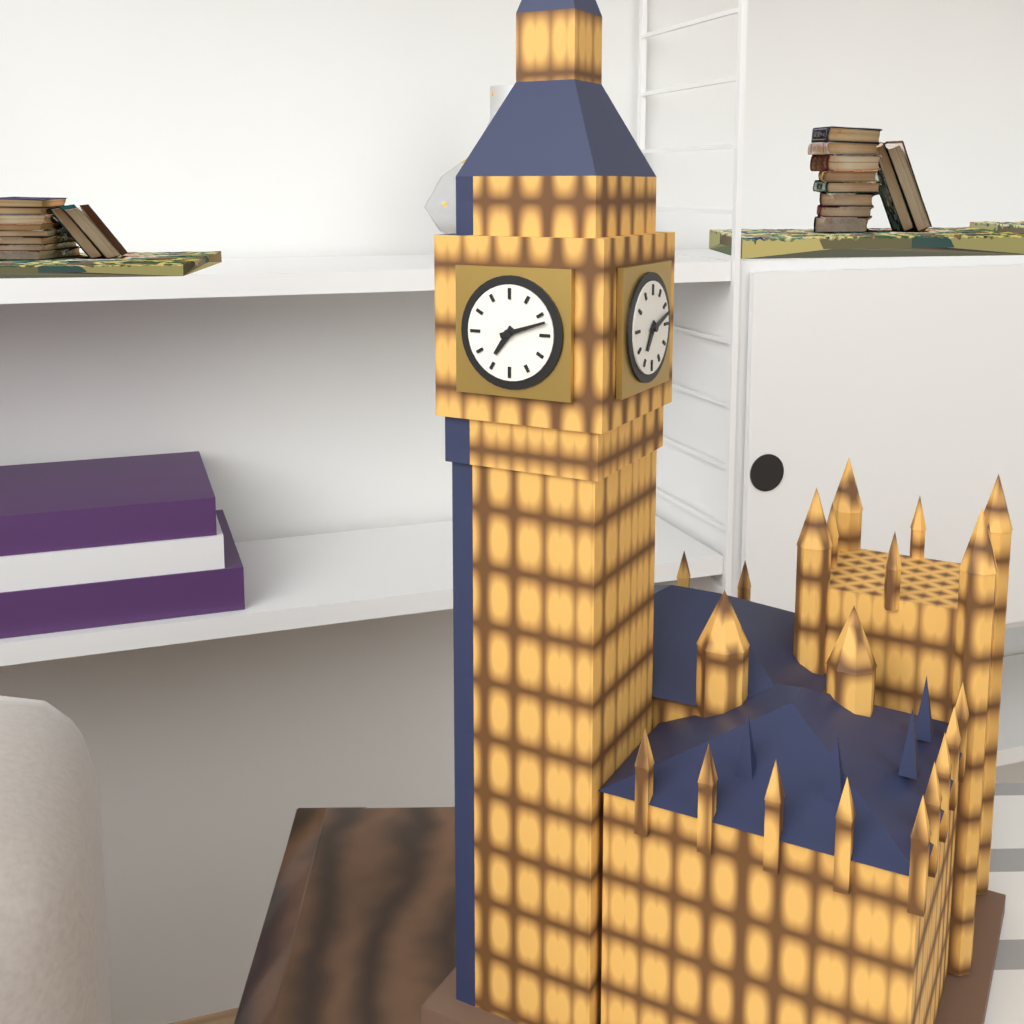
7,12
